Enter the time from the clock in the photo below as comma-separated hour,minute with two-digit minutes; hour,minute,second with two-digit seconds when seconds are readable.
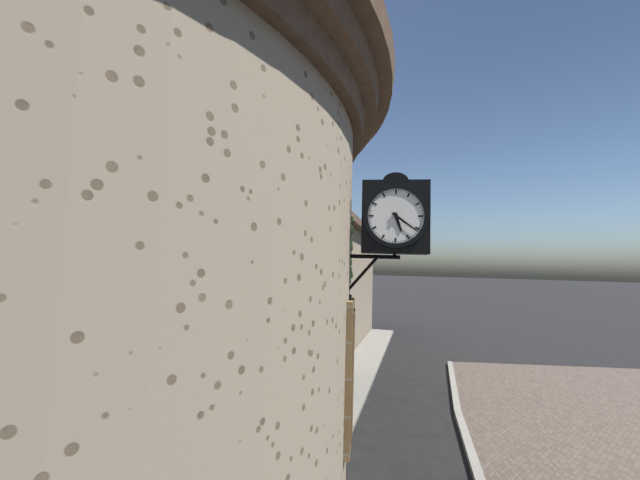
5,21
